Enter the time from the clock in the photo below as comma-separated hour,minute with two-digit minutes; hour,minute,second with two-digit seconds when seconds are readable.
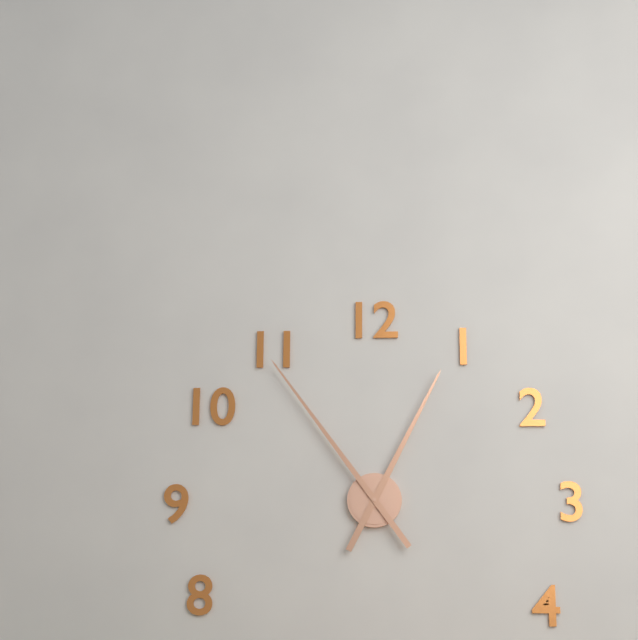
12,54
